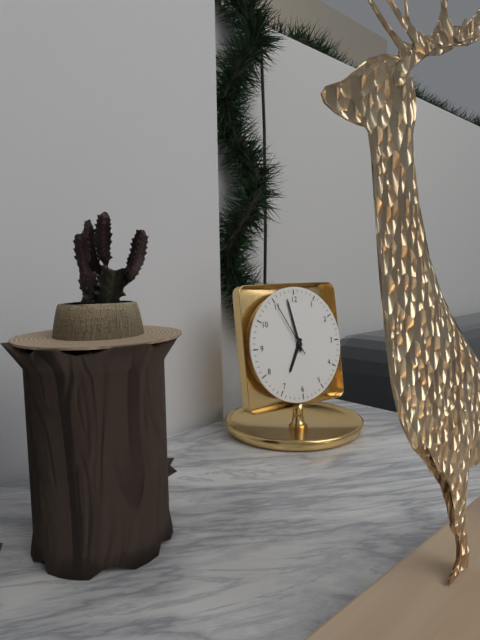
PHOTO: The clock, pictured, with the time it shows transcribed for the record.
6:58:55
